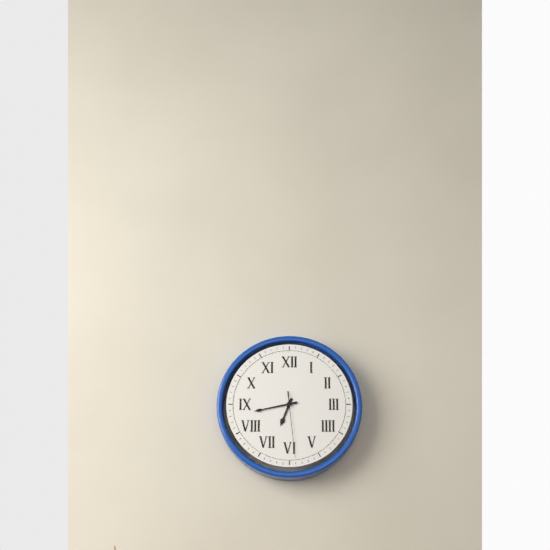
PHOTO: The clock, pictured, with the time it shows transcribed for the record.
6:43:29
